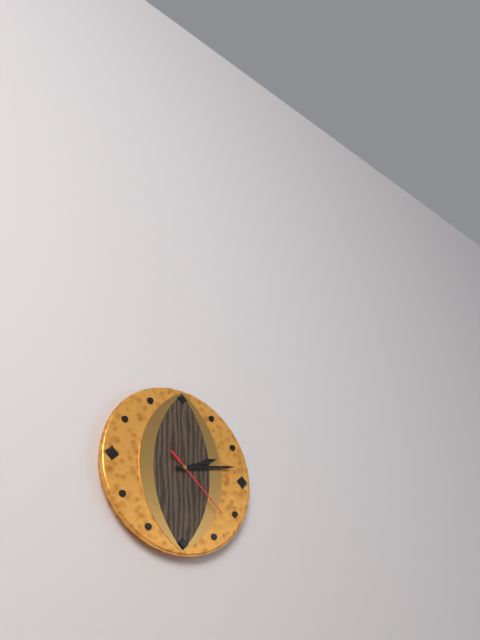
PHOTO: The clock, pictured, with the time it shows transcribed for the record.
2:13:22
